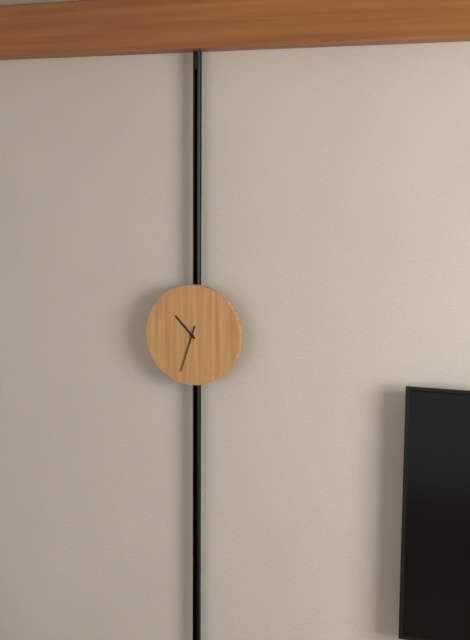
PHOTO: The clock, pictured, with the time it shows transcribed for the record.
10:33
